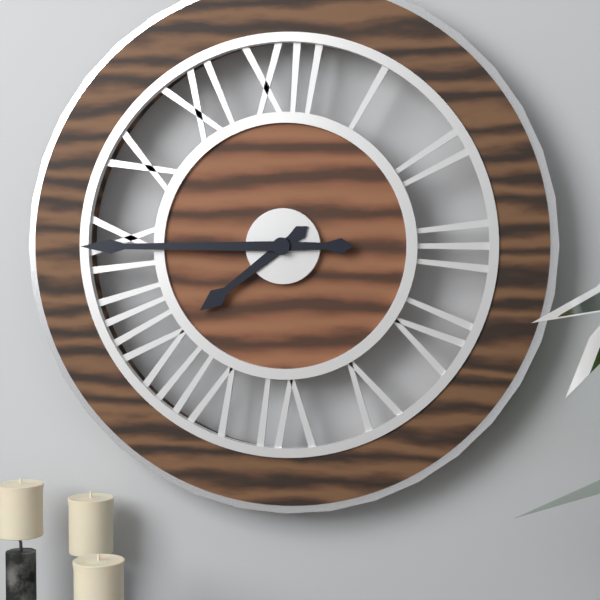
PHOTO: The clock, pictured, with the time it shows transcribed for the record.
7:45
